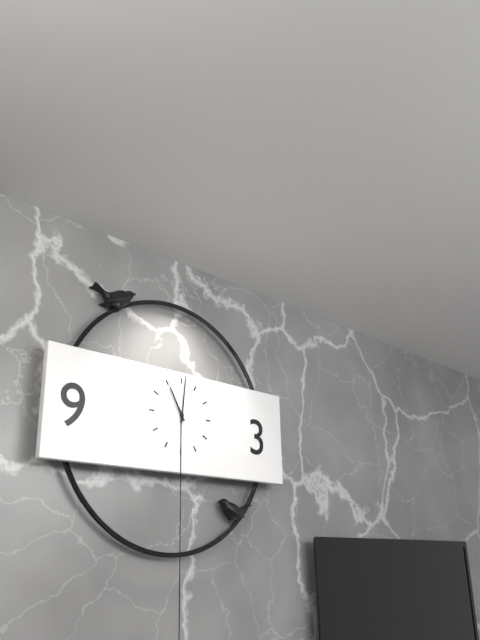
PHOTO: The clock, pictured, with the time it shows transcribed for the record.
11:01
